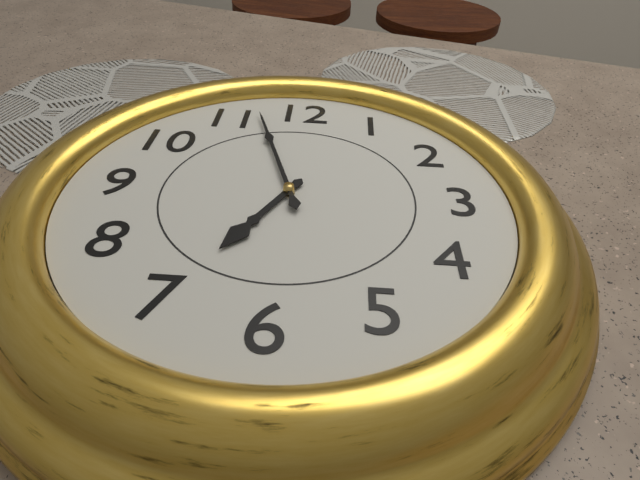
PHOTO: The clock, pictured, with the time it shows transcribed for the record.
6:57
